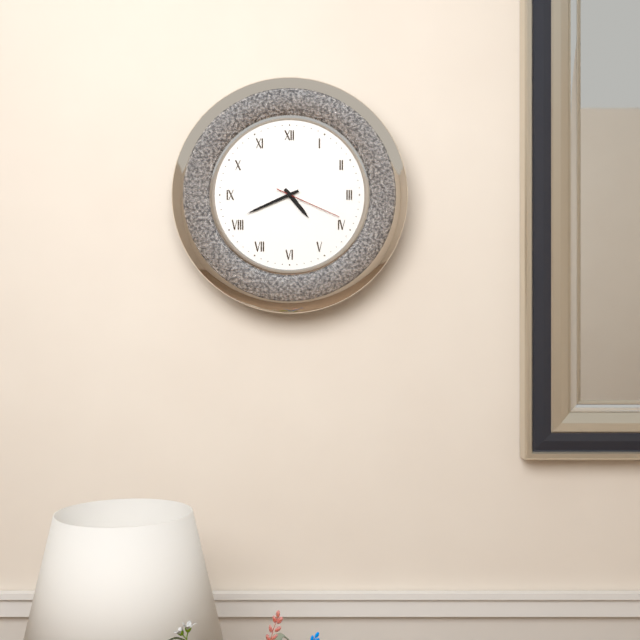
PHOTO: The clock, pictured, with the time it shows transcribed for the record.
4:41:19
